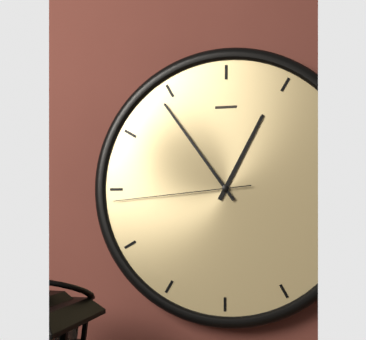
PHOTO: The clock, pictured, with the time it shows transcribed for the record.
12:54:44
